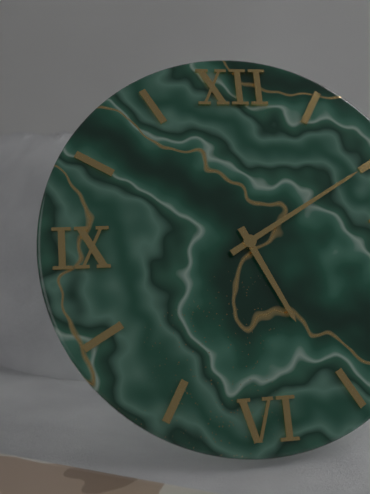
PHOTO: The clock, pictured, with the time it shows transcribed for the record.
5:10
